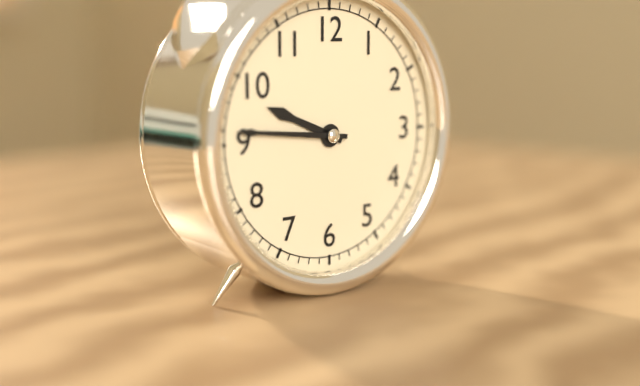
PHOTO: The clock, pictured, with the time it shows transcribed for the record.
9:46
